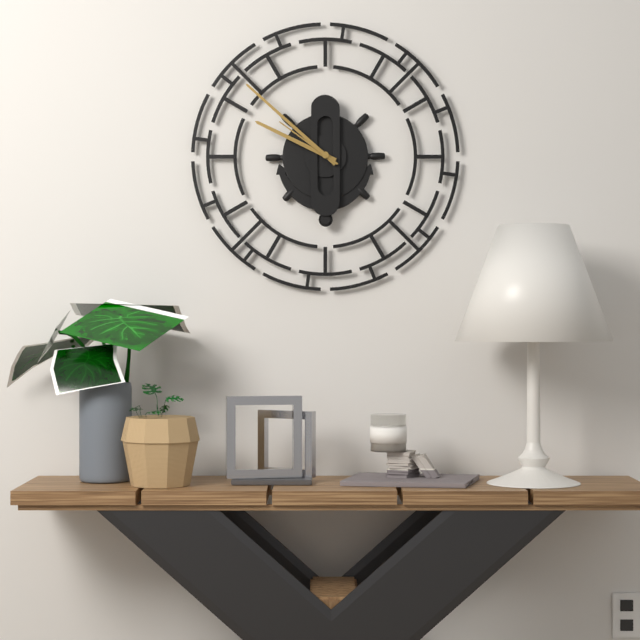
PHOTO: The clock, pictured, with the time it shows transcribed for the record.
9:52:51
